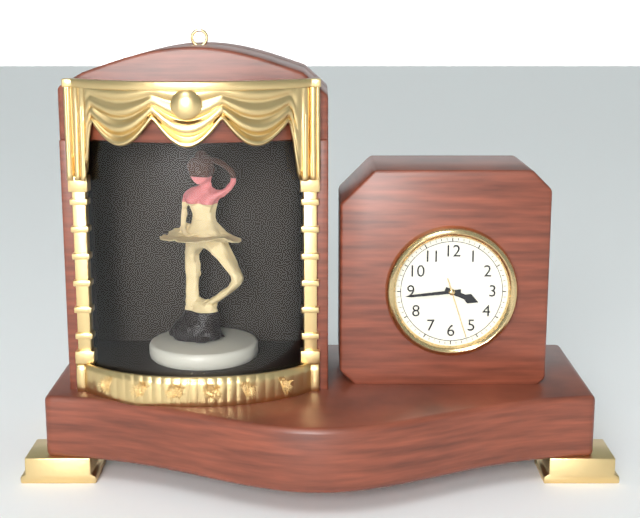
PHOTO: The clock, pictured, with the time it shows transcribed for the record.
3:44:27
